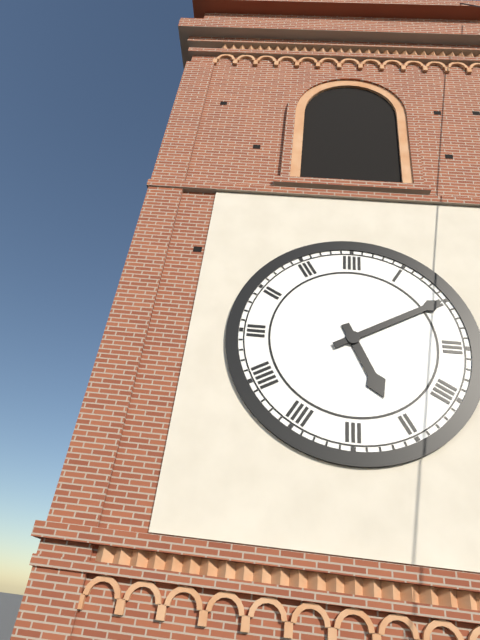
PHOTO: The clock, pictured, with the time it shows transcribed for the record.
5:10
